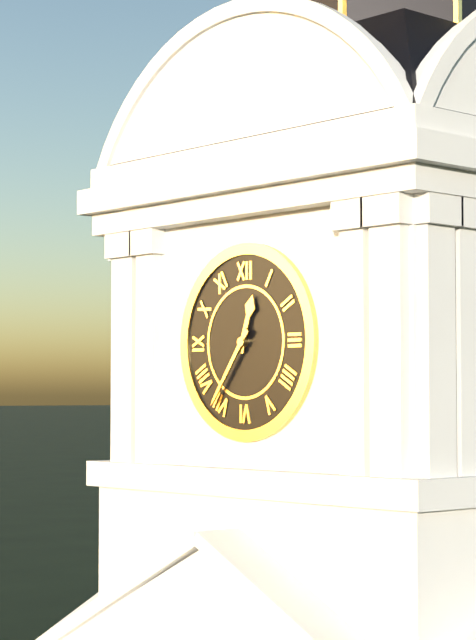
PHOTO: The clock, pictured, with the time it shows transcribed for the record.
12:36
